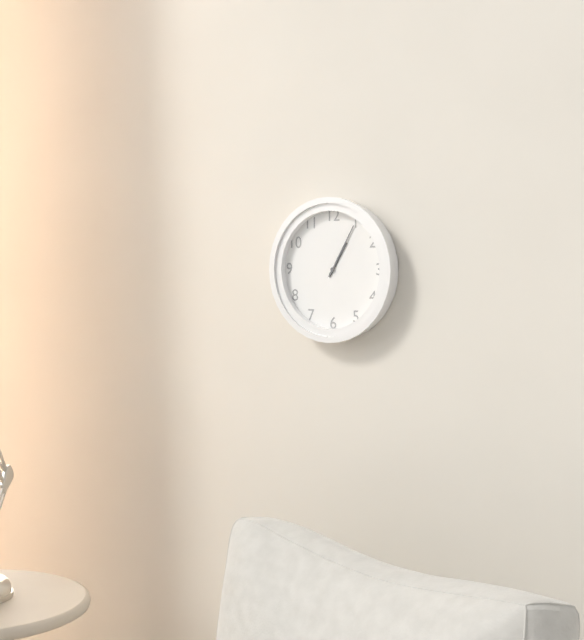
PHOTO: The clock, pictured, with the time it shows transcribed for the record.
1:05
